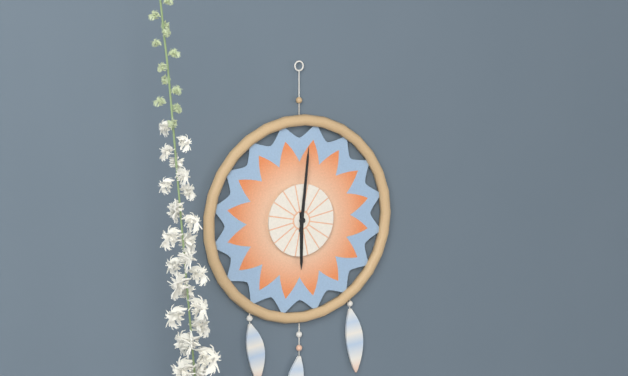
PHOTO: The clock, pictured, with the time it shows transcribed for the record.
6:01
